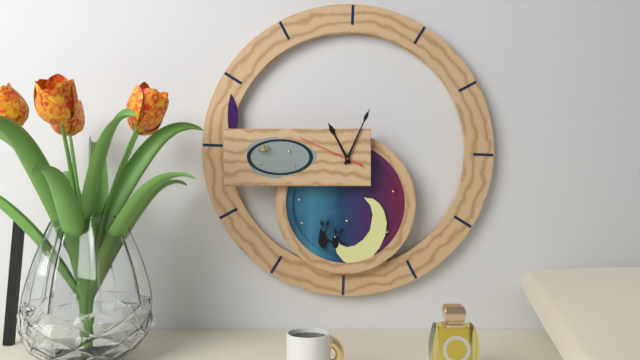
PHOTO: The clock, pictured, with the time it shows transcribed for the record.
11:04:49
